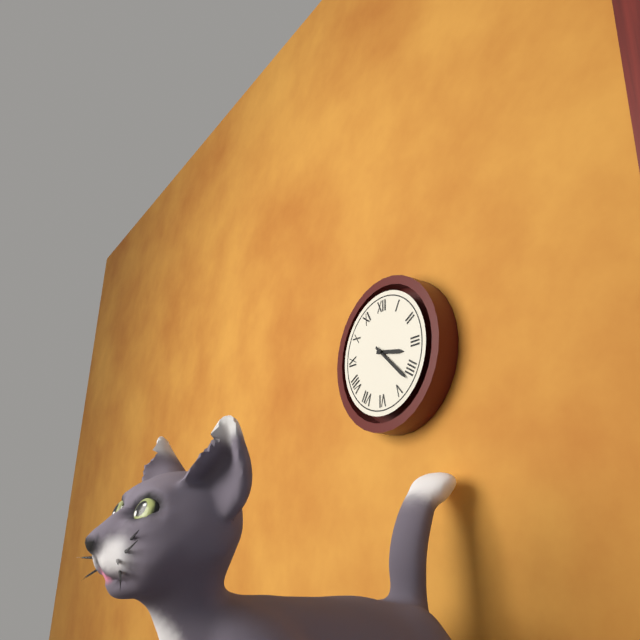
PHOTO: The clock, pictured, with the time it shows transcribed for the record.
3:22
